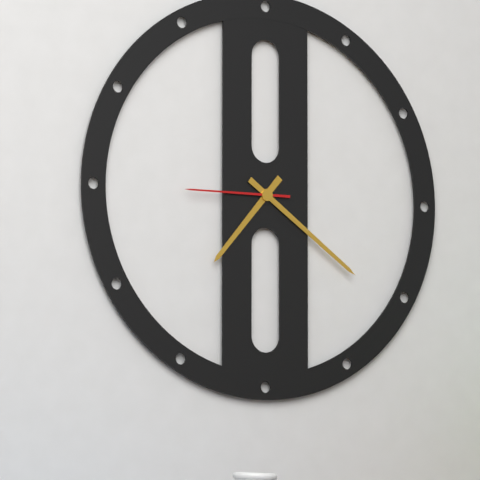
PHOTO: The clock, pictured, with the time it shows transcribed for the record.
7:21:45
